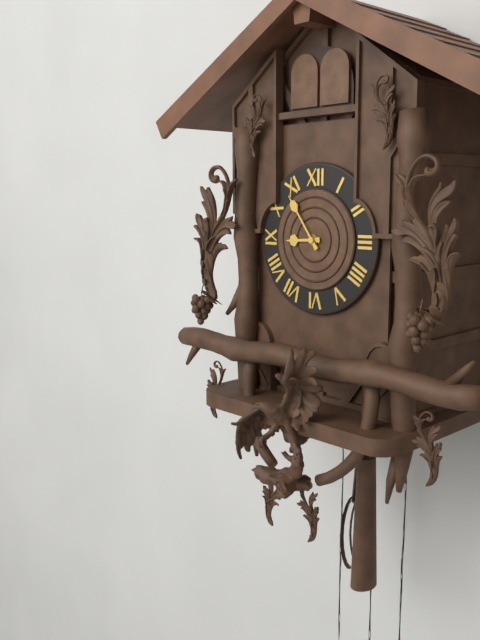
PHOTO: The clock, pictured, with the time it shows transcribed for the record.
8:54
